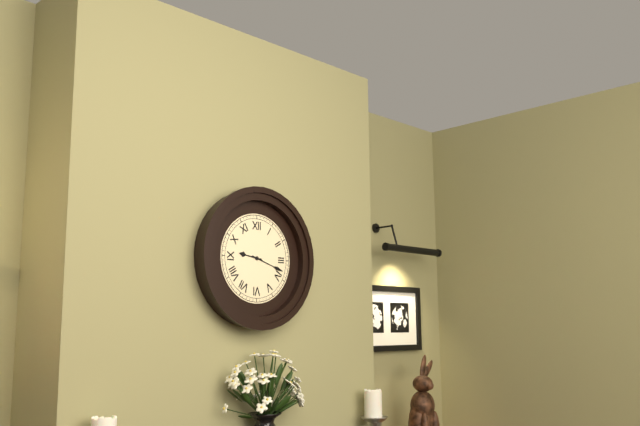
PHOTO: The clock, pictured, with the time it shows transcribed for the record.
9:18
